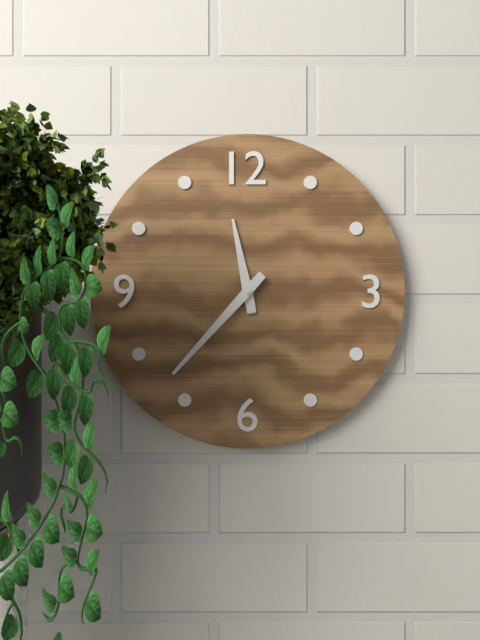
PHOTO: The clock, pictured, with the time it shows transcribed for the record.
11:37
